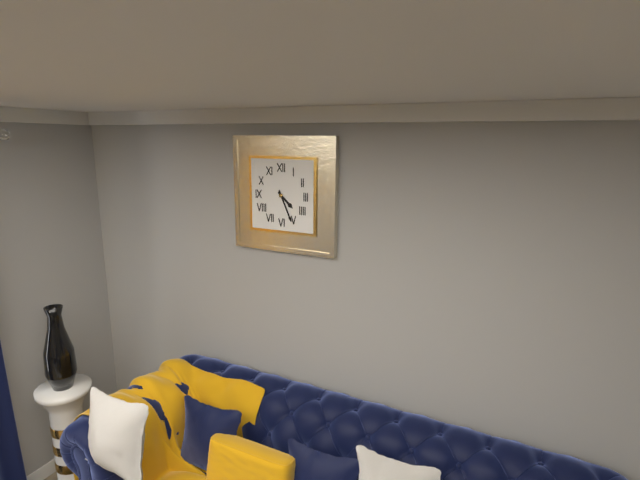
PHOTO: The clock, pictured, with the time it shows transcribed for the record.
4:26
